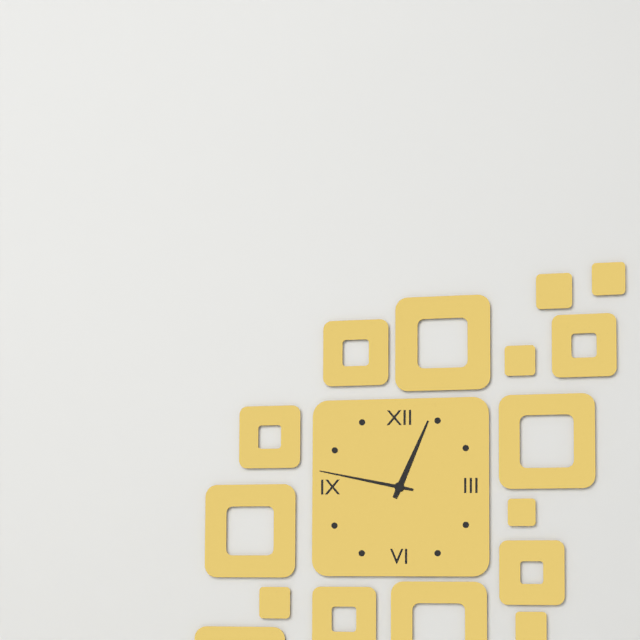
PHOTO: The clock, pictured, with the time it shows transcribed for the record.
12:47
